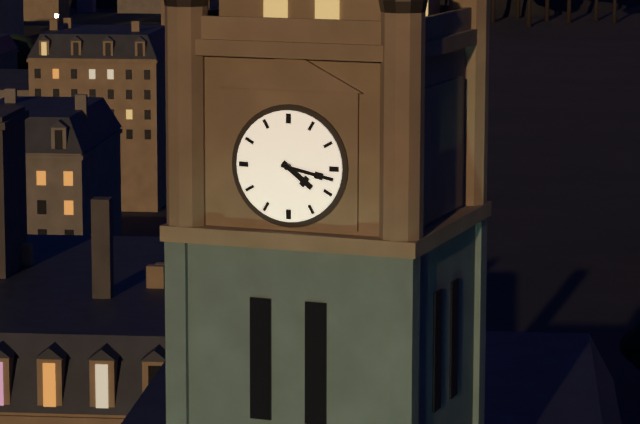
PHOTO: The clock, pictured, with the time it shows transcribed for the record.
4:17
